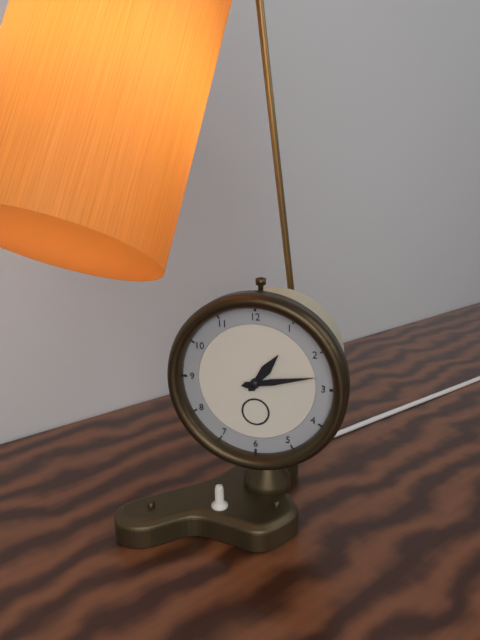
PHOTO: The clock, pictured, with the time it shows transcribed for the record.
1:13
